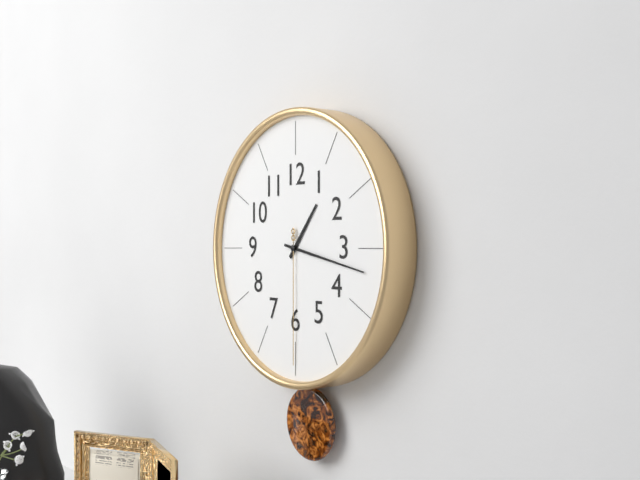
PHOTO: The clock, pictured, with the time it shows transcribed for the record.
1:17:30
